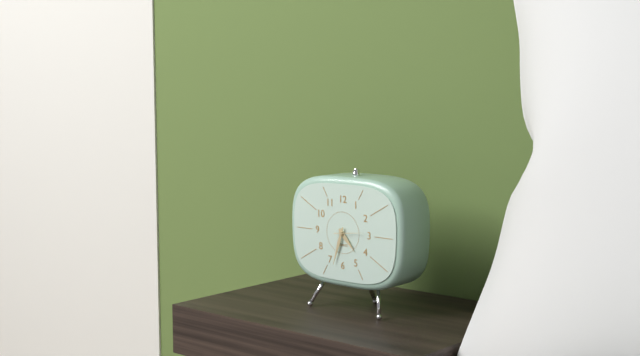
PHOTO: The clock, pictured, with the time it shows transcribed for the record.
4:33
